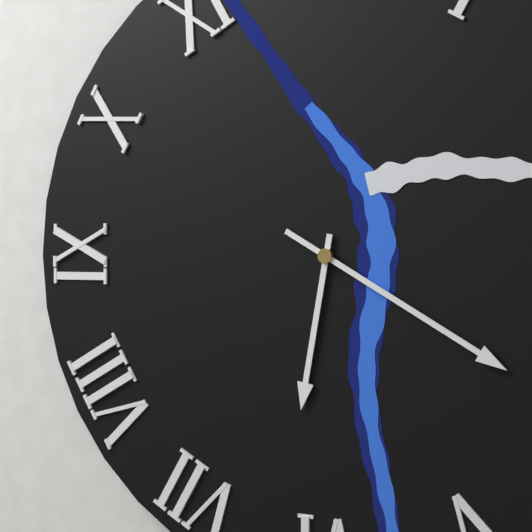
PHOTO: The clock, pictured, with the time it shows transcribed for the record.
6:20
